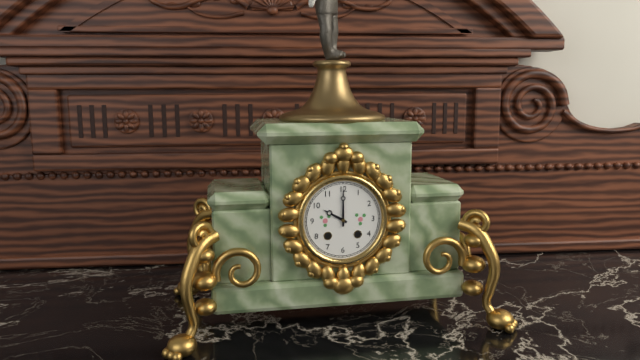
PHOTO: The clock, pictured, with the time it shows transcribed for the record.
10:00
